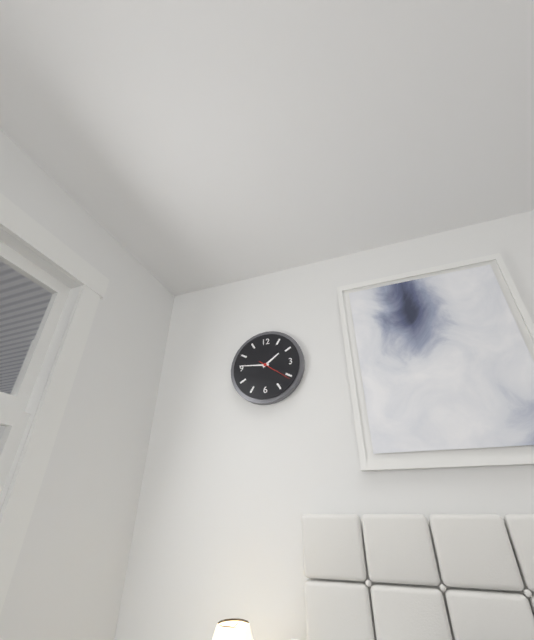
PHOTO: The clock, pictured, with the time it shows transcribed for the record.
1:46
